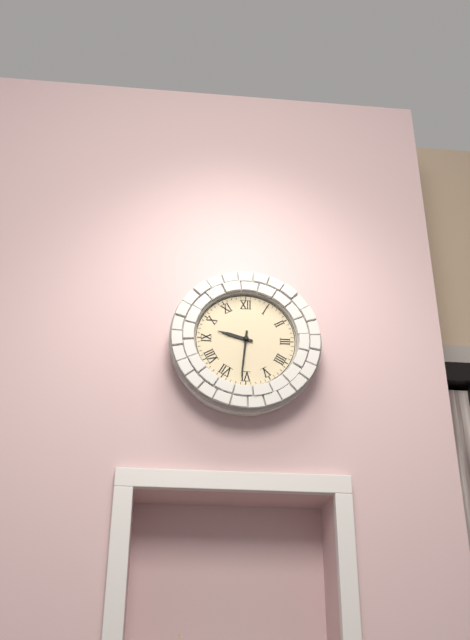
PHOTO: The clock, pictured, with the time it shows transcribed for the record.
9:31
